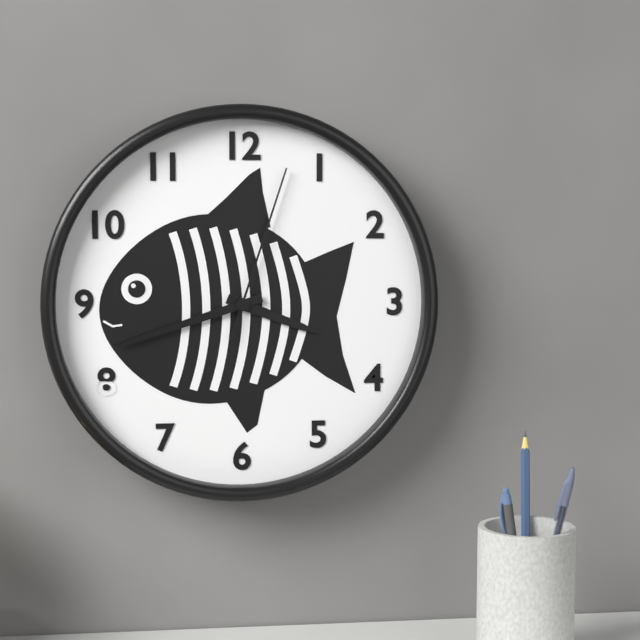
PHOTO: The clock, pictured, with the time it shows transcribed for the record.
3:42:03
